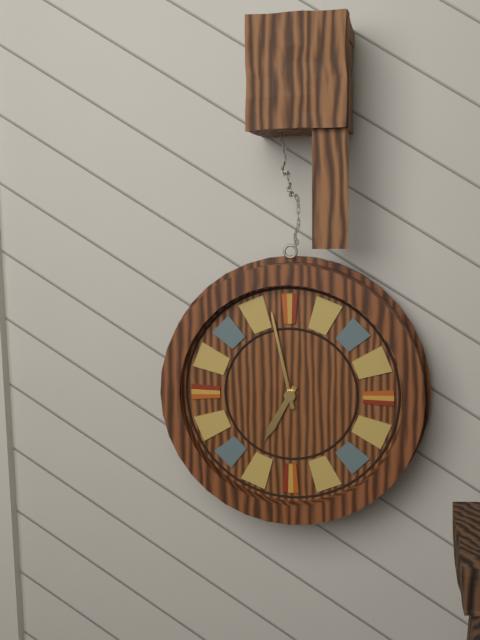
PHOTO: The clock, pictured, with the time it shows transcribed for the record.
6:58
